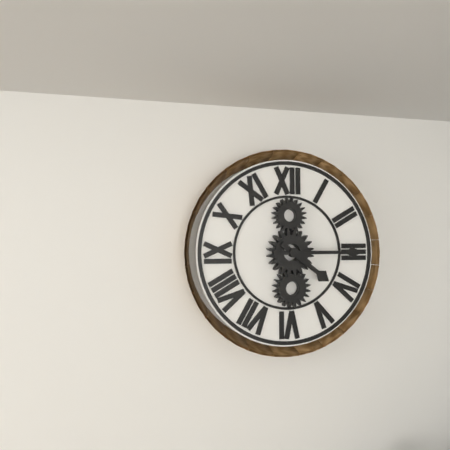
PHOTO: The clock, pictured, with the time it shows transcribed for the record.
4:15
